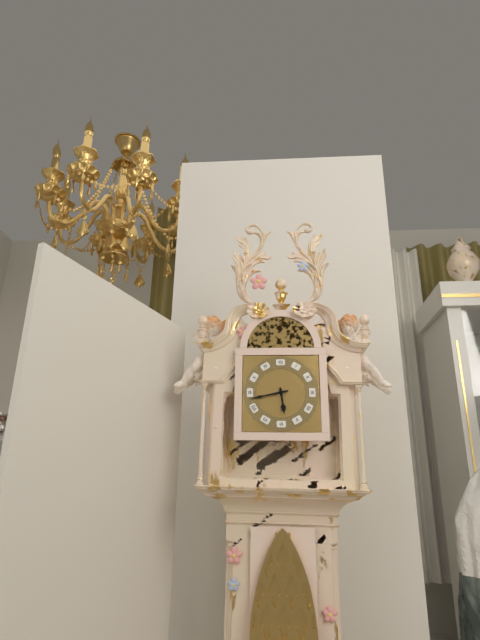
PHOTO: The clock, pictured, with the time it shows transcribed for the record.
5:43
